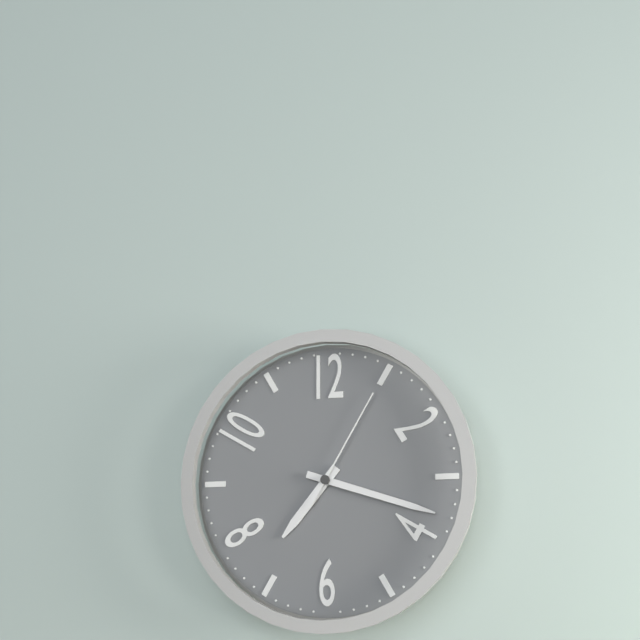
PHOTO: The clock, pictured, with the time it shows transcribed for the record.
7:18:05
